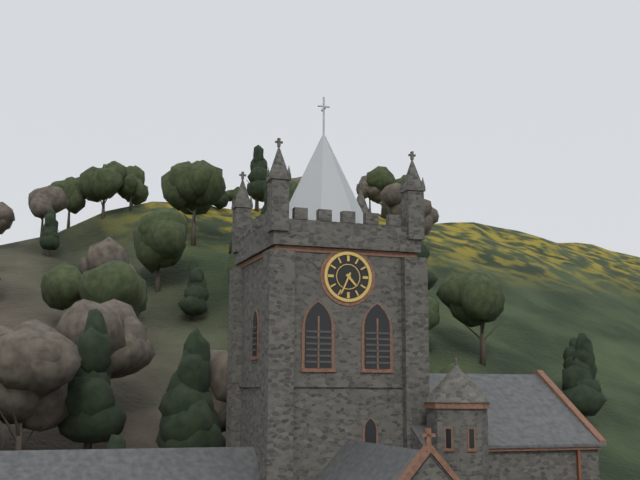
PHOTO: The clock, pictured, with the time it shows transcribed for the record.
4:34
